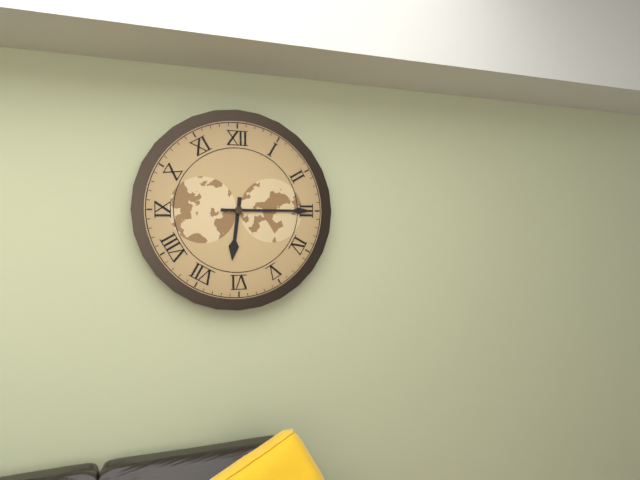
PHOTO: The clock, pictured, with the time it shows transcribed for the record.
6:15
